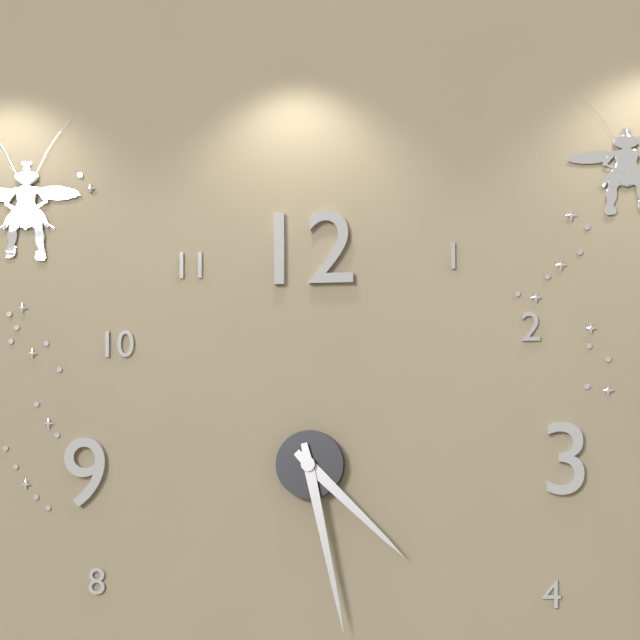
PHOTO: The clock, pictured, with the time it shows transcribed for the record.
4:28
